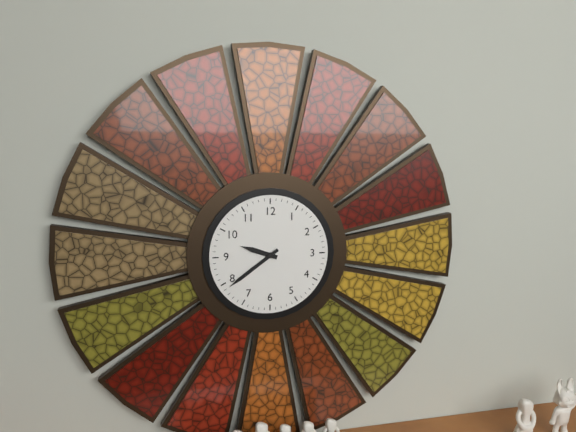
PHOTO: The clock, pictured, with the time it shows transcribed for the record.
9:39
